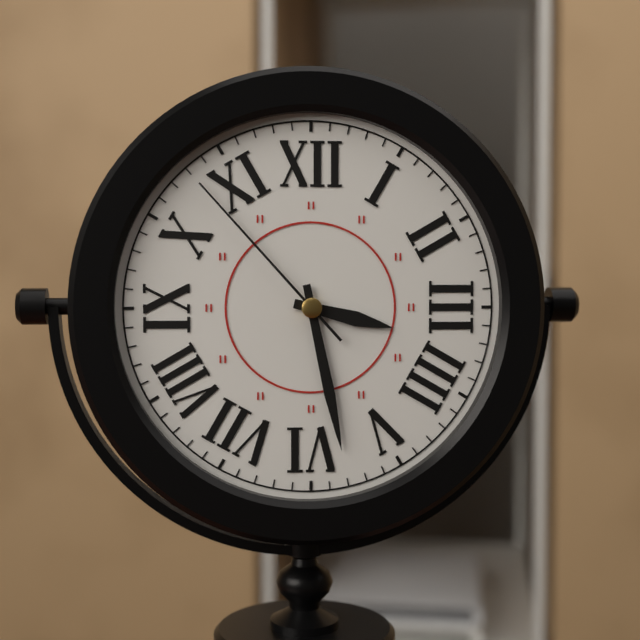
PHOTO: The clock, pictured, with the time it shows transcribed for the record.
3:28:53
